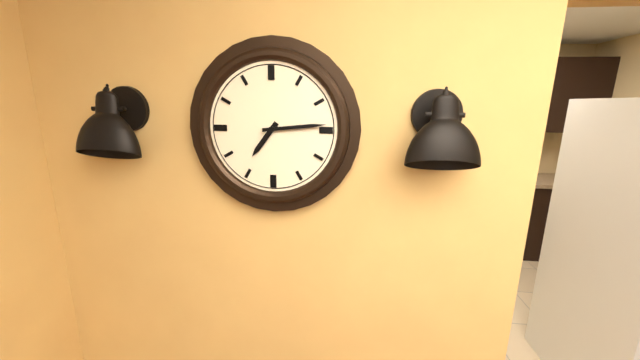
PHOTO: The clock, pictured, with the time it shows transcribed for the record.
7:14
